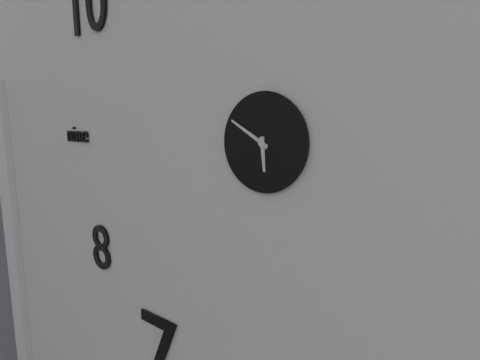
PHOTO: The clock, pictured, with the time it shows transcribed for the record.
5:50
